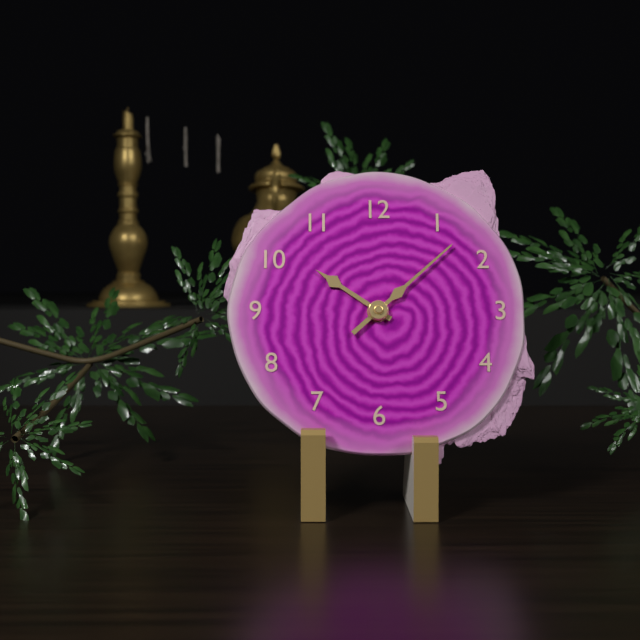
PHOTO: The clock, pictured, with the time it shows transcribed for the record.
10:08
